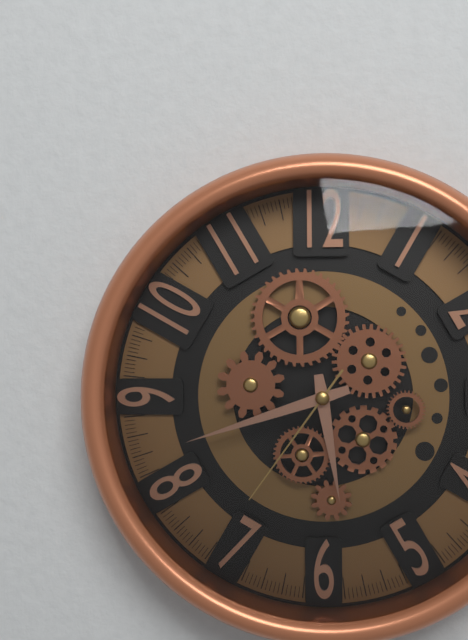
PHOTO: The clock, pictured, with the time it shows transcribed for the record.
5:42:36
